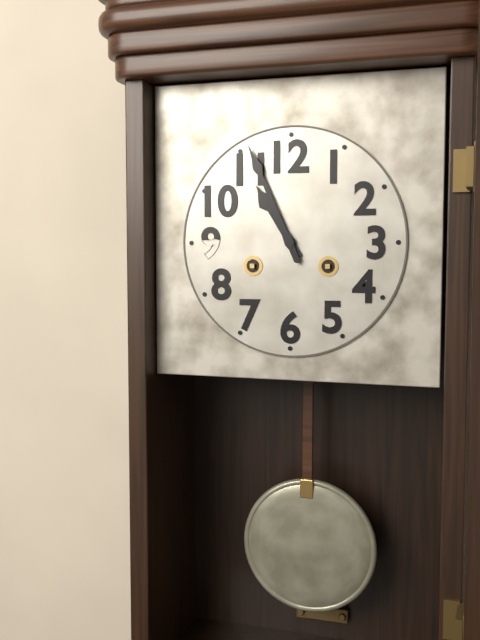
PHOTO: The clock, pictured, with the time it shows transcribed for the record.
10:56
